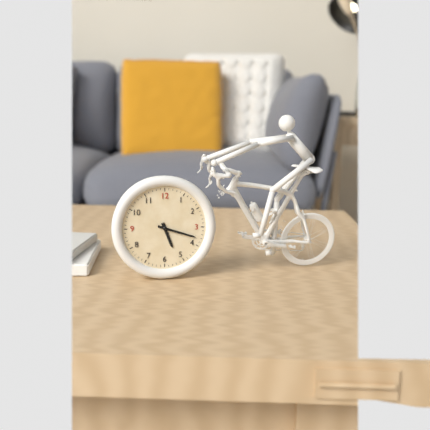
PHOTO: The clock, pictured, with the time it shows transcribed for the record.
5:18
